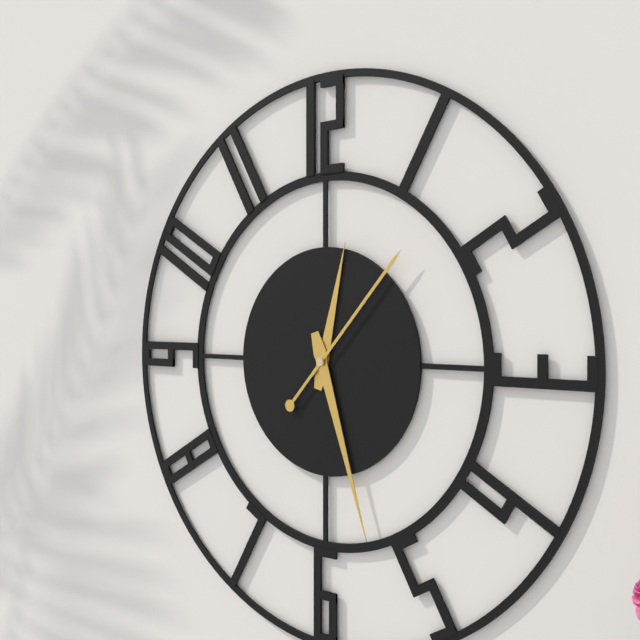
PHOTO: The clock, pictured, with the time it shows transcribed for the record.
12:27:07
